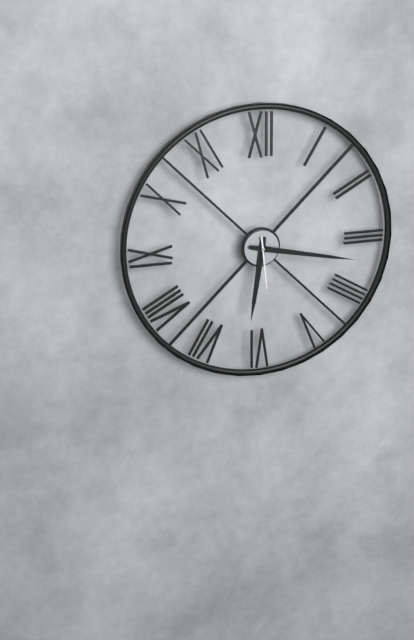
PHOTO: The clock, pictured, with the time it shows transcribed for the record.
6:17:29
